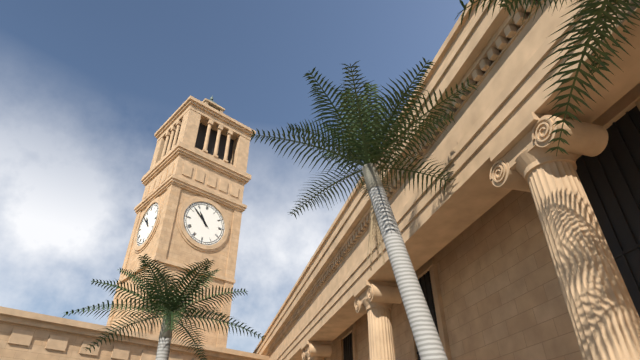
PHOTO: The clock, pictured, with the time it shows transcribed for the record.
10:52
